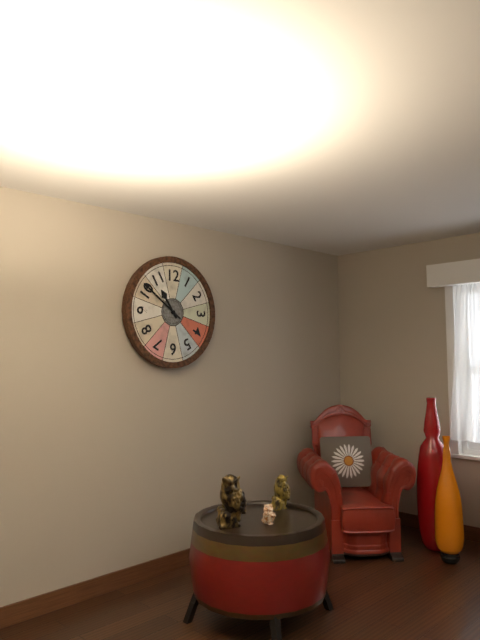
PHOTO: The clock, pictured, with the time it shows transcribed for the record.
10:51
